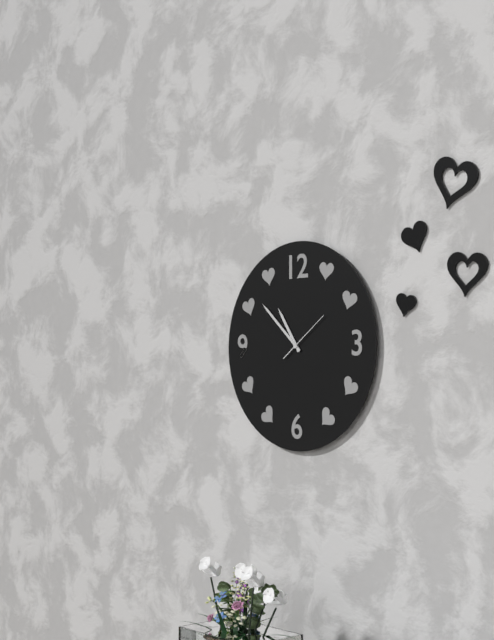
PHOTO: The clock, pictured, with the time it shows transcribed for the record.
10:52
